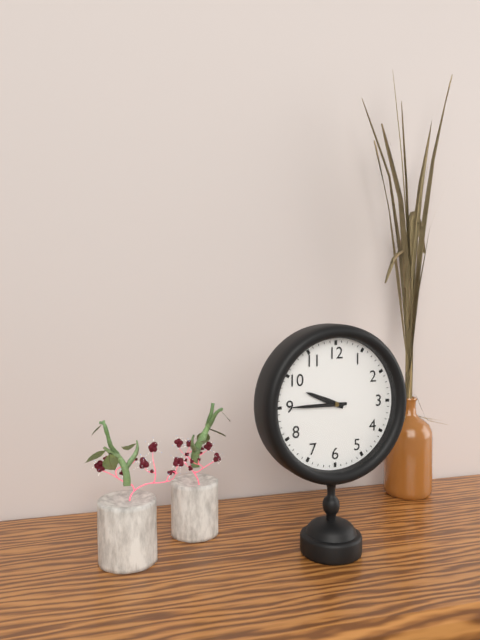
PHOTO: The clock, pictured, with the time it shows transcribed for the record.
9:45
